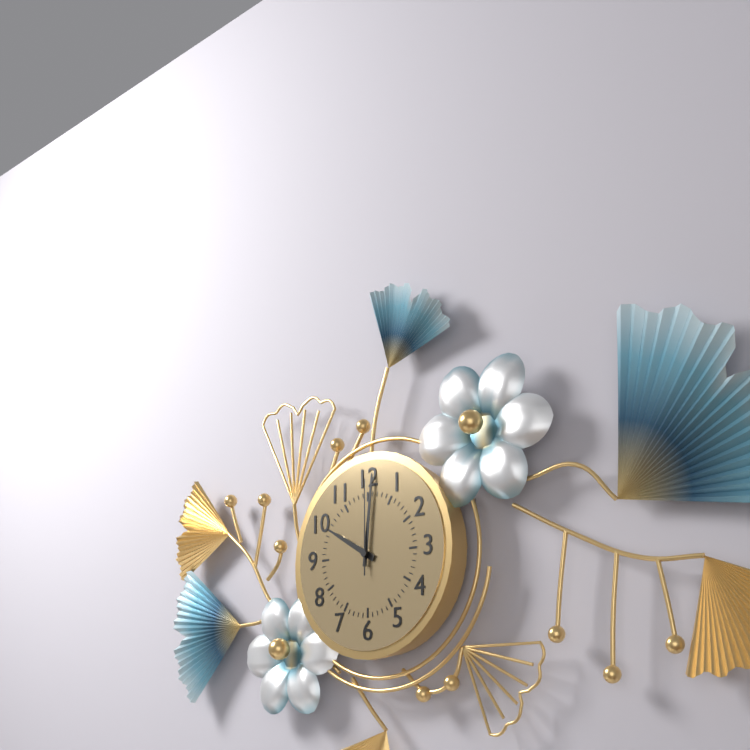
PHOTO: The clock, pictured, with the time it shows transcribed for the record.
10:01:00
